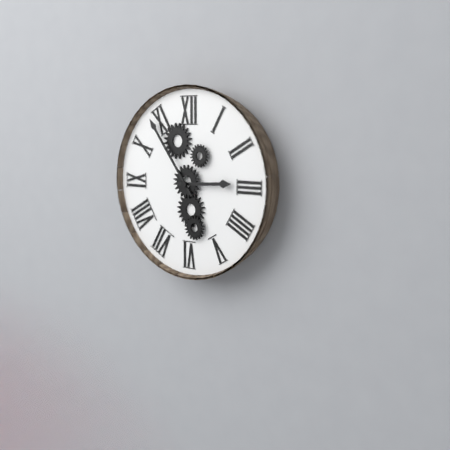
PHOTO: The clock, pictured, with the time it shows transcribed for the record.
2:54
